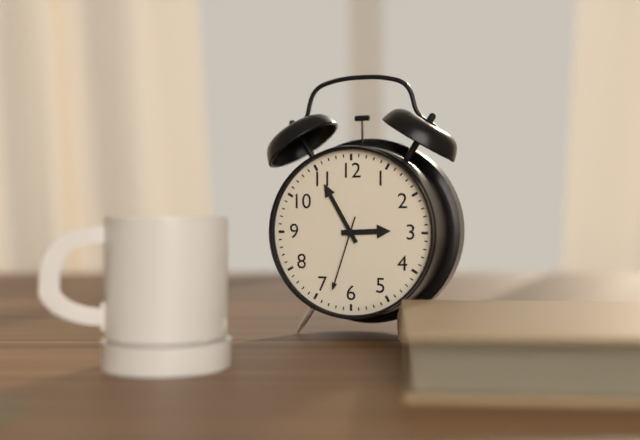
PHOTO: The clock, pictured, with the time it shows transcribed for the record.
2:55:33
